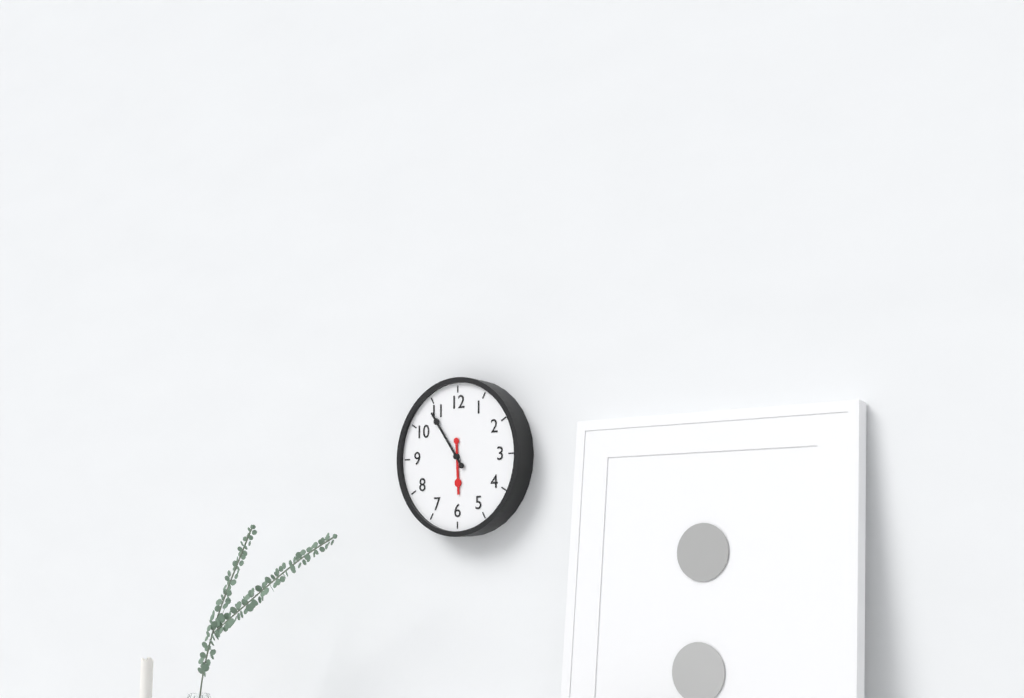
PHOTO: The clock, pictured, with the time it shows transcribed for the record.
5:54
